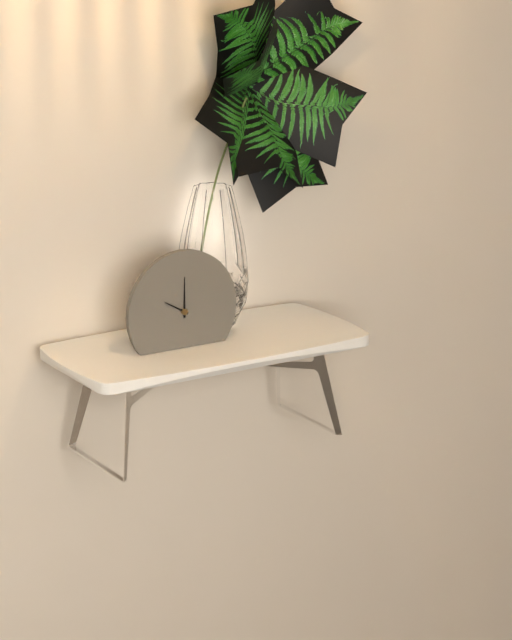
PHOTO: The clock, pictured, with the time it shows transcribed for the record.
10:00
